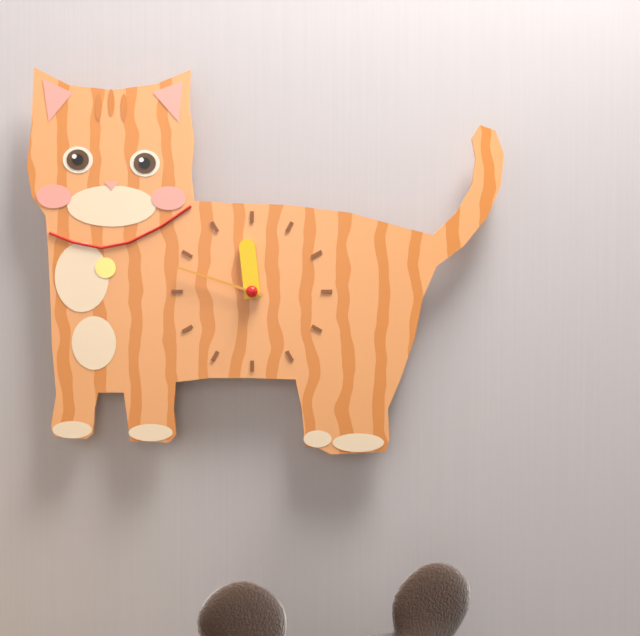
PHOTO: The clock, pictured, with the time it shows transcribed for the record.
11:48
